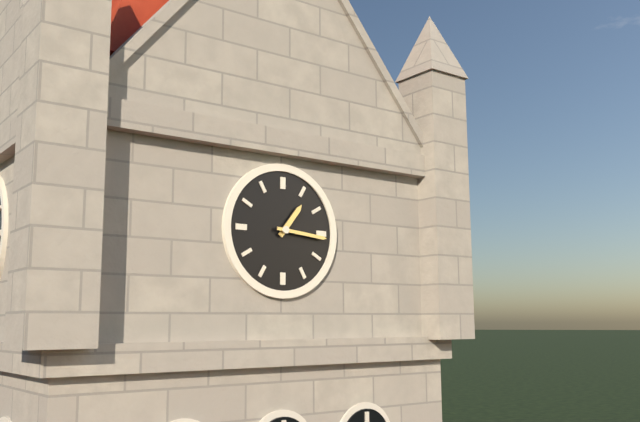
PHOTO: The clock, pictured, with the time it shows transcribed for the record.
1:16
